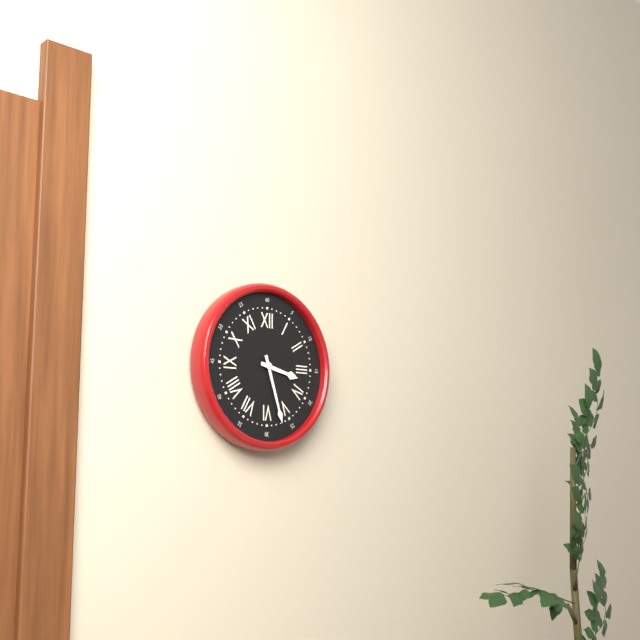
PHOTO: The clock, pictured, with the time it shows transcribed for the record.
3:27
